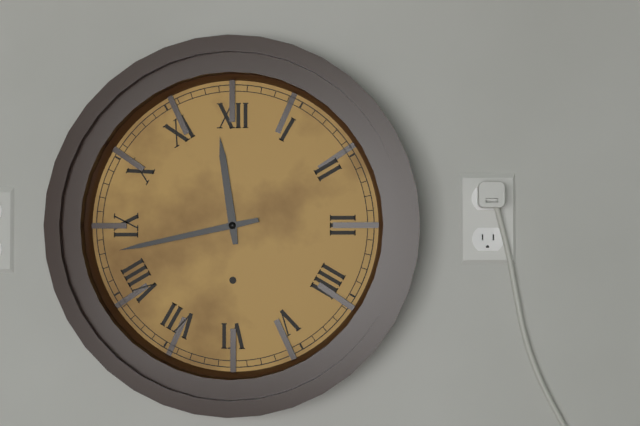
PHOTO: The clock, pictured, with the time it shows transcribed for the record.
11:43
